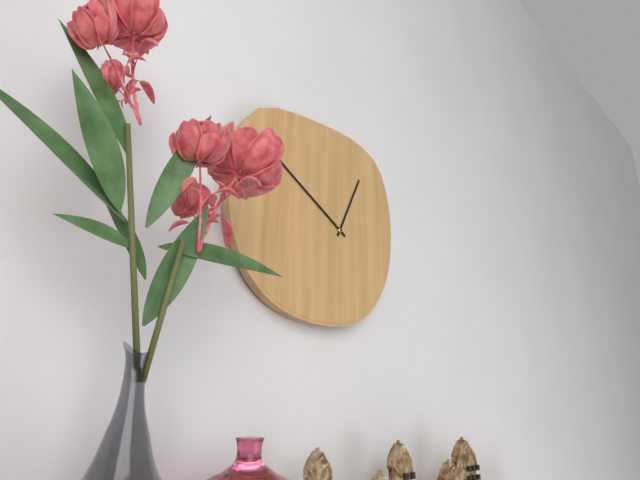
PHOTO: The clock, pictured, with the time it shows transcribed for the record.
12:50
